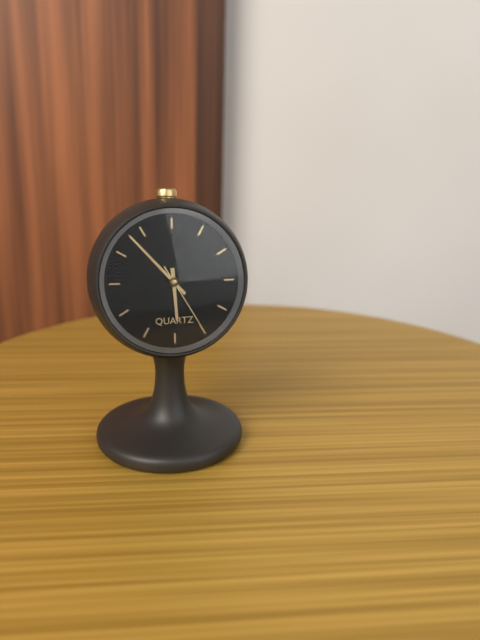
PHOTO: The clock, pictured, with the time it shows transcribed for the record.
5:53:25
